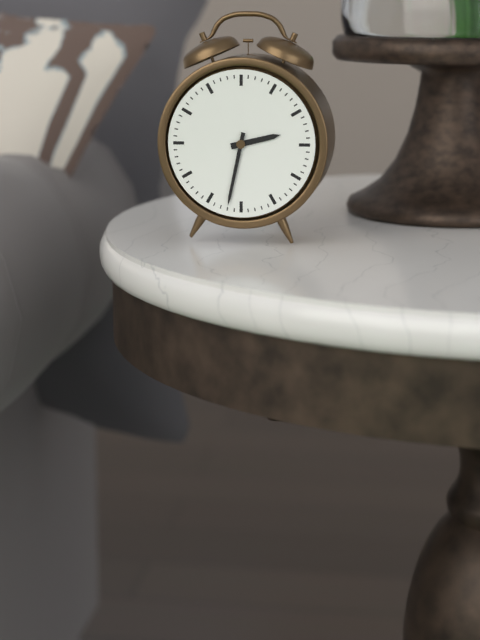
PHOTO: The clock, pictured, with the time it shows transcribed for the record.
2:32
